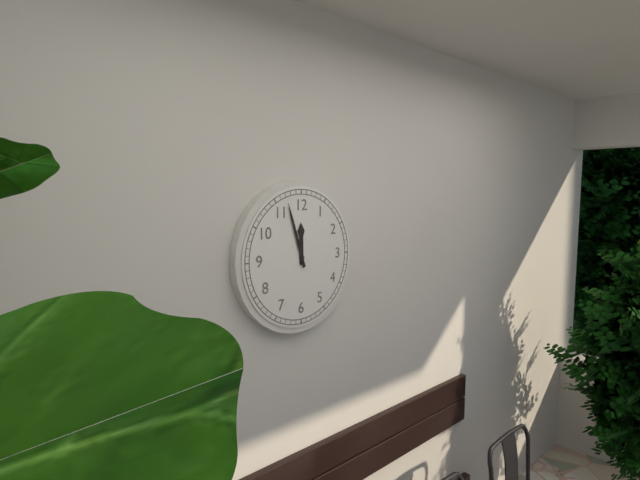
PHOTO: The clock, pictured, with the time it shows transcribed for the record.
11:57
